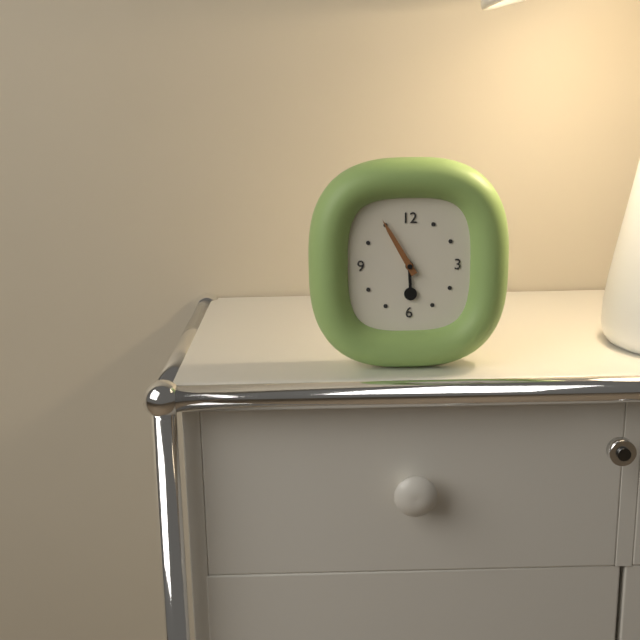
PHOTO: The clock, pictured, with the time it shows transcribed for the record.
5:55
